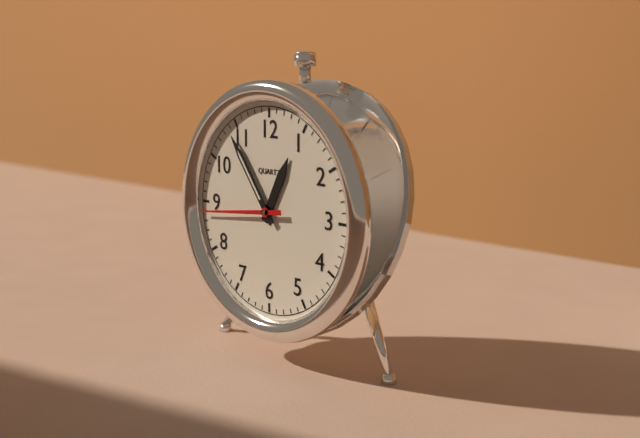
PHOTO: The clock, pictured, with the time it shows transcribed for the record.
12:54:44
